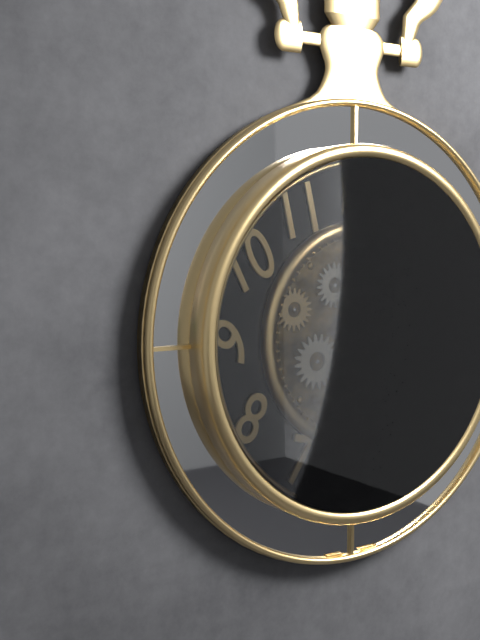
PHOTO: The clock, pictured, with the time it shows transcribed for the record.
5:26
